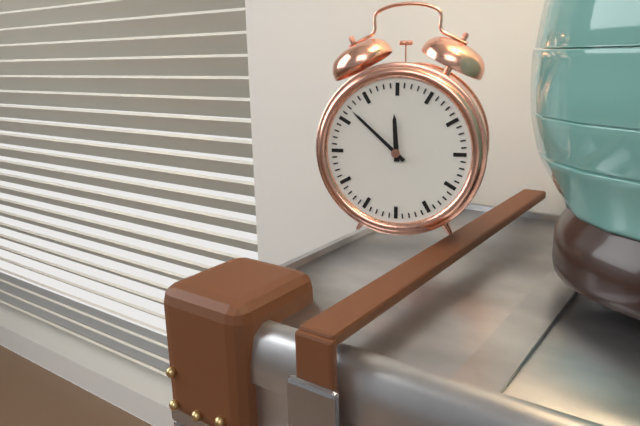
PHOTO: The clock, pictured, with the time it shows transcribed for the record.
11:52
